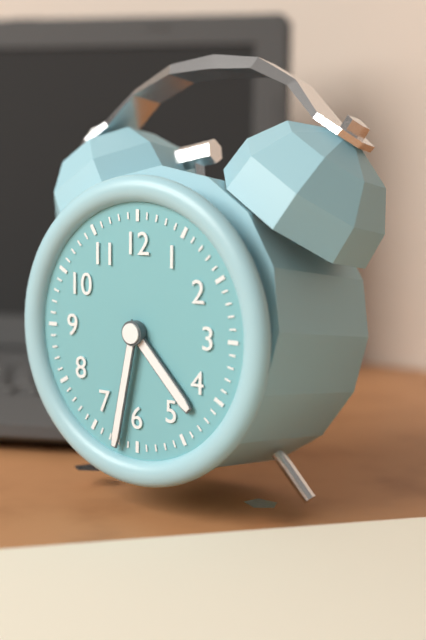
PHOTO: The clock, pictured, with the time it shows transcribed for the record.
4:32
